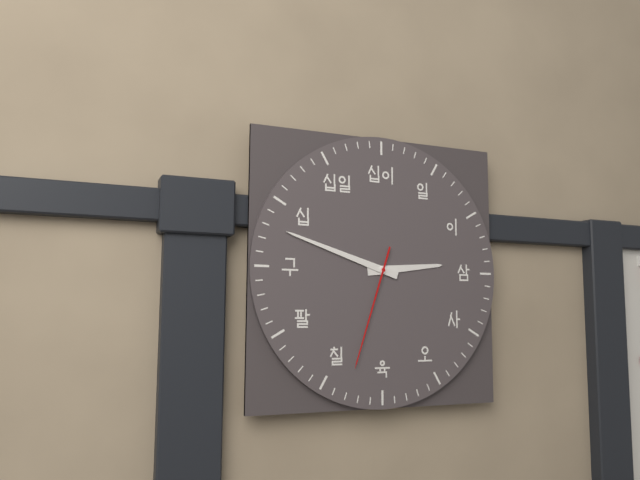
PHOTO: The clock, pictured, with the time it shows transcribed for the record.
2:48:33
